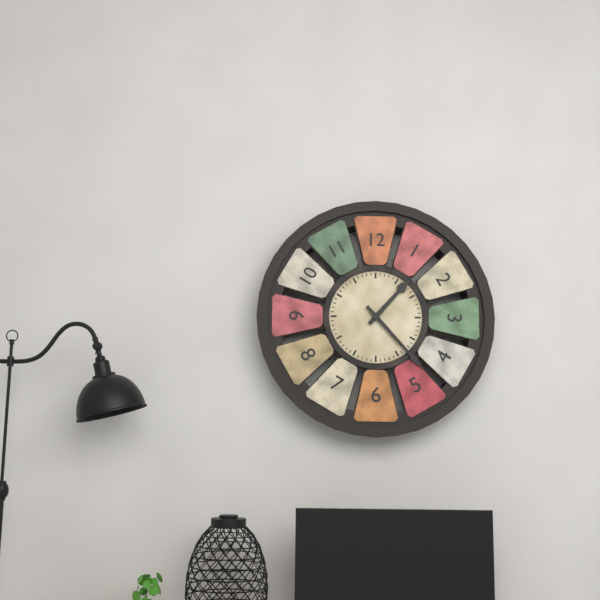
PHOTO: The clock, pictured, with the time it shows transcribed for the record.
1:23
